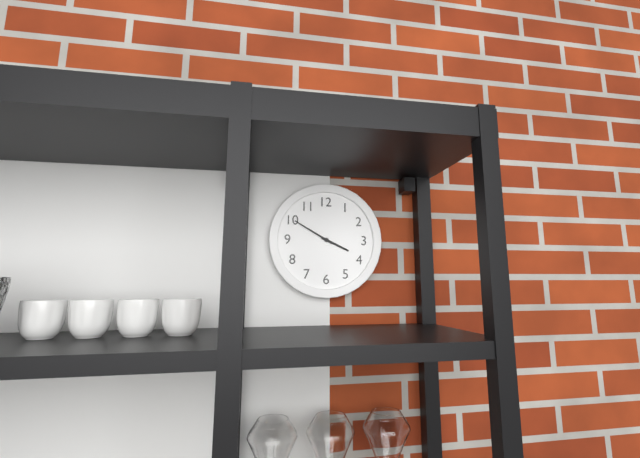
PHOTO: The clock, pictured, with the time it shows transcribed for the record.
3:50
